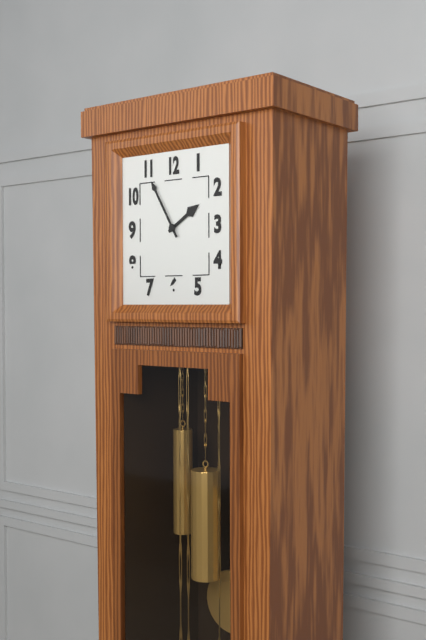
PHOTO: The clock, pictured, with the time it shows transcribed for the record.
1:55
